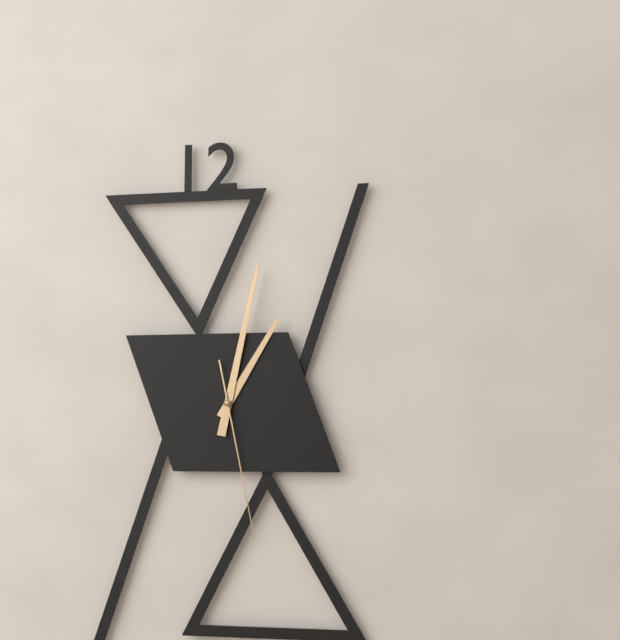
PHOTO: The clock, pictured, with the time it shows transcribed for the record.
1:02:28
